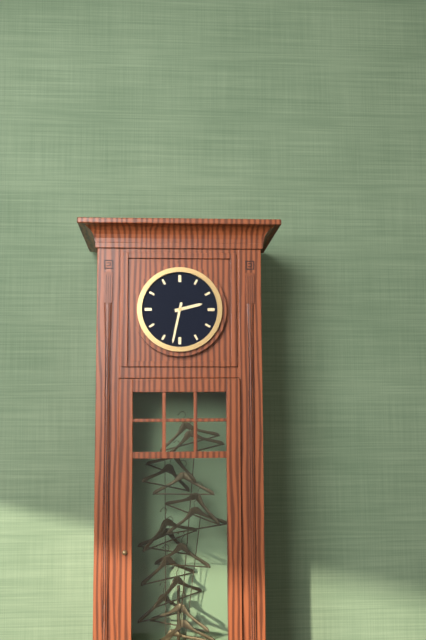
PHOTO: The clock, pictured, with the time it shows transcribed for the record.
2:32
